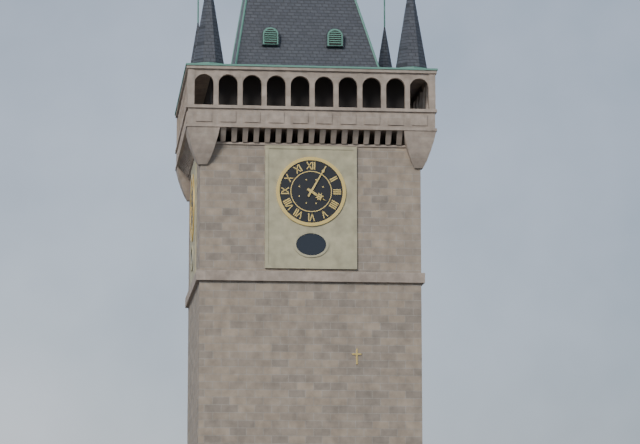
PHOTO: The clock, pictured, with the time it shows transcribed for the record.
4:05
